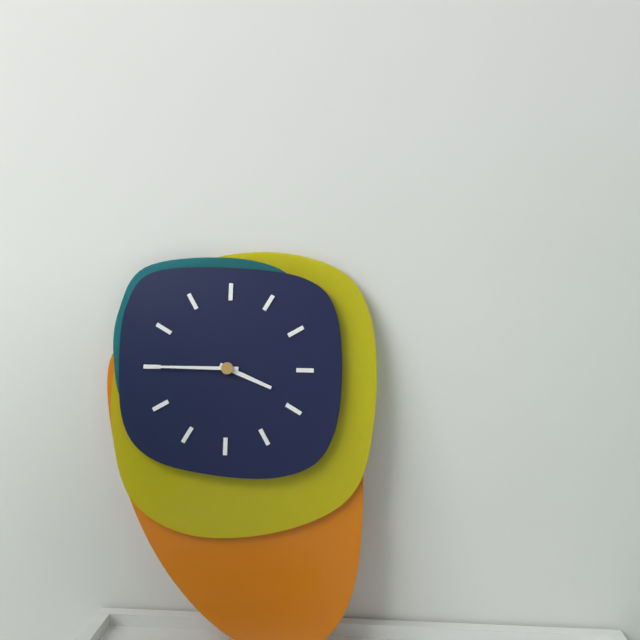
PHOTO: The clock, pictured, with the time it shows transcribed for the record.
3:45
